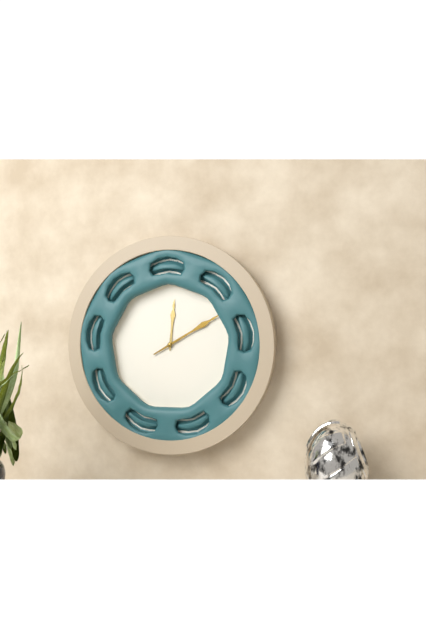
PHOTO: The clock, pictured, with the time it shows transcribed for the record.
12:10
